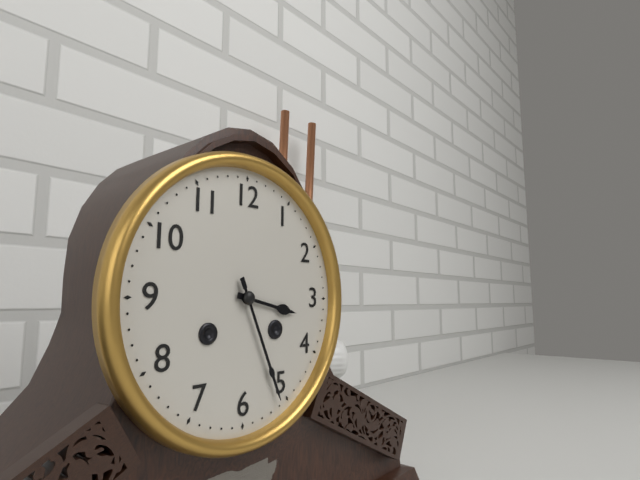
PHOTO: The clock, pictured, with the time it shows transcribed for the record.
3:26
